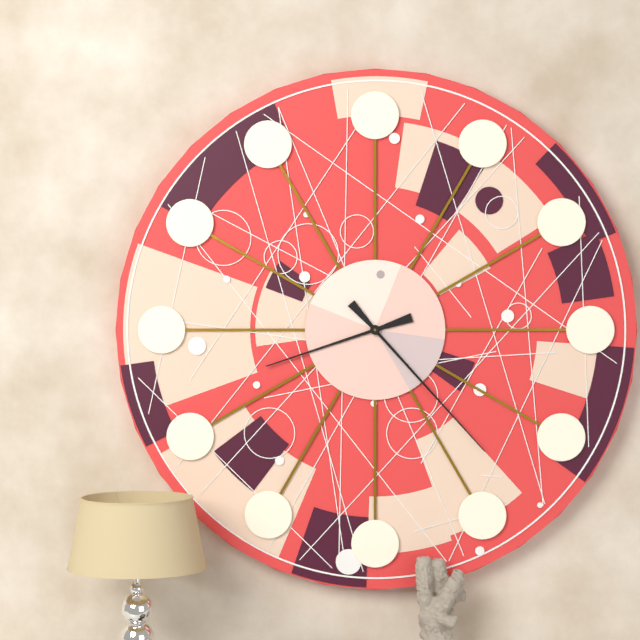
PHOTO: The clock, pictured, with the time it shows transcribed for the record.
8:23
